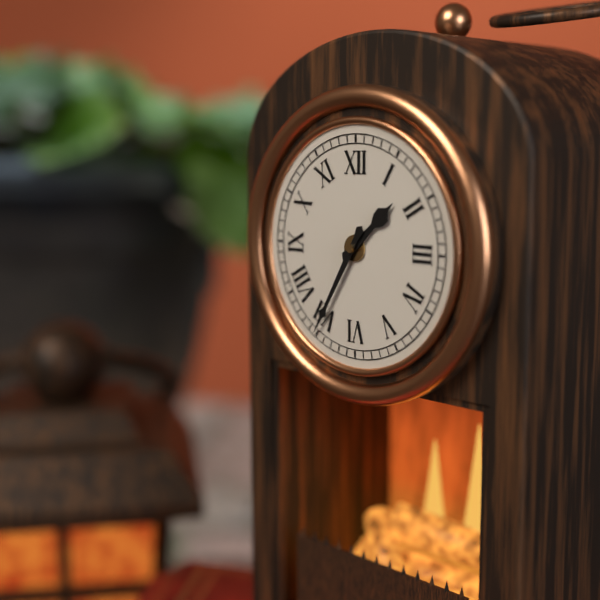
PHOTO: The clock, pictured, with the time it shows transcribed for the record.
1:35
